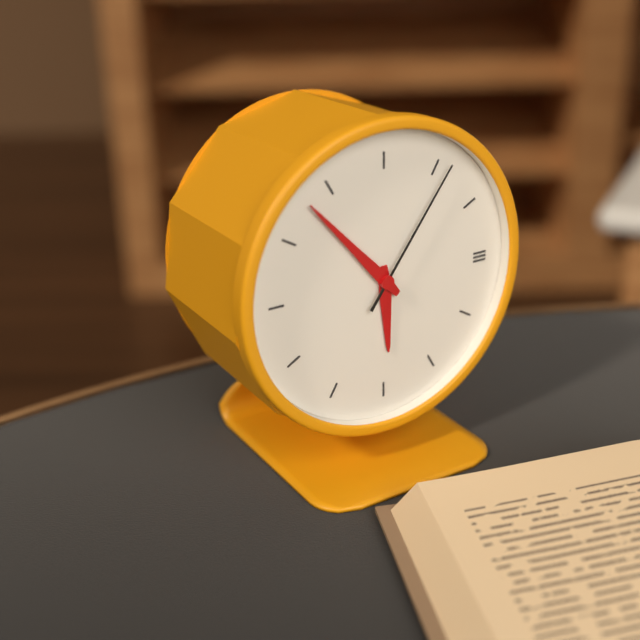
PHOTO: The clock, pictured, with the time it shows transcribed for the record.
5:53:06
